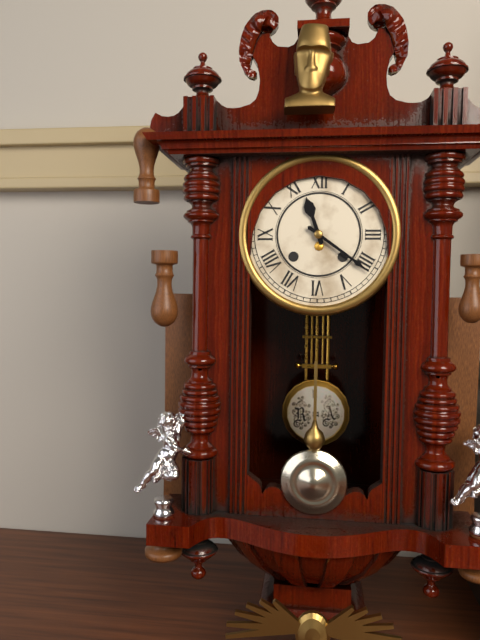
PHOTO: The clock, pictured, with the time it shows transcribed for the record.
11:21
